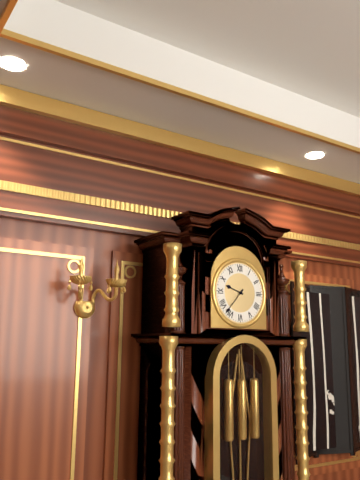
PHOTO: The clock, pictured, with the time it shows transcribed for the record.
9:37
